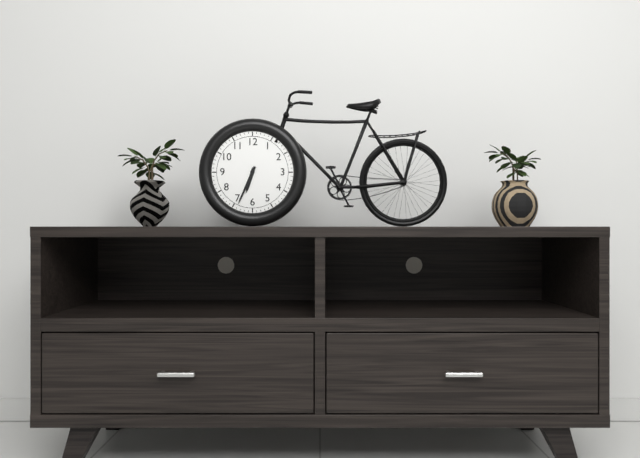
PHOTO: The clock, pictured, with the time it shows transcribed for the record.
6:34
